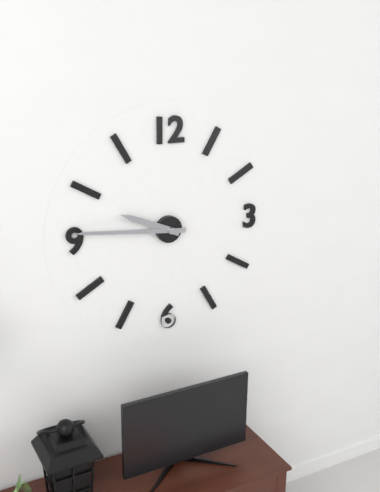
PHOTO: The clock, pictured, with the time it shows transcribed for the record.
9:46
